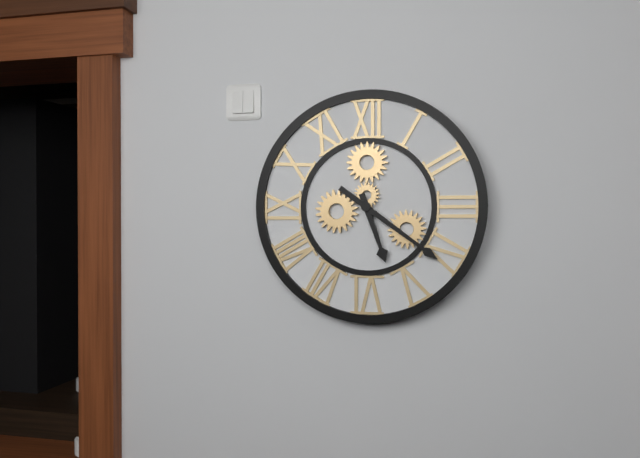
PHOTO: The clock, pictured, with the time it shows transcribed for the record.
5:21
